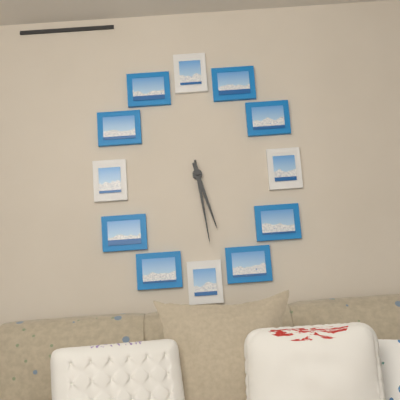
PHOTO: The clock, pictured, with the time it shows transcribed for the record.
5:29
